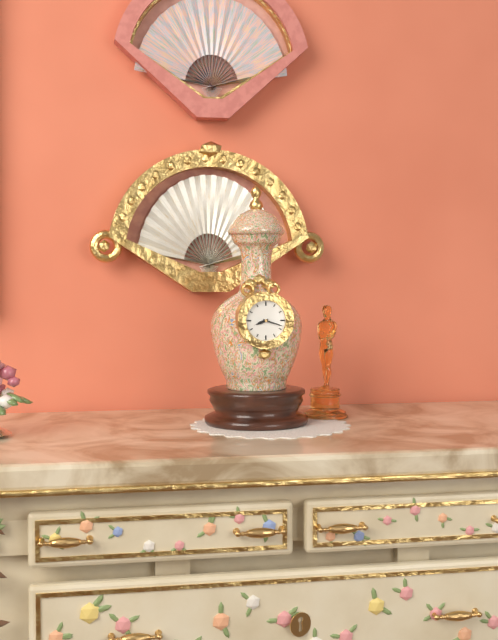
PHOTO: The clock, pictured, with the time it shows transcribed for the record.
8:18
